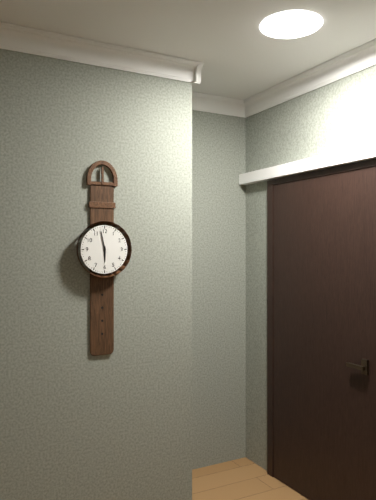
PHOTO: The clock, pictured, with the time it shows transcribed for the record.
5:58
